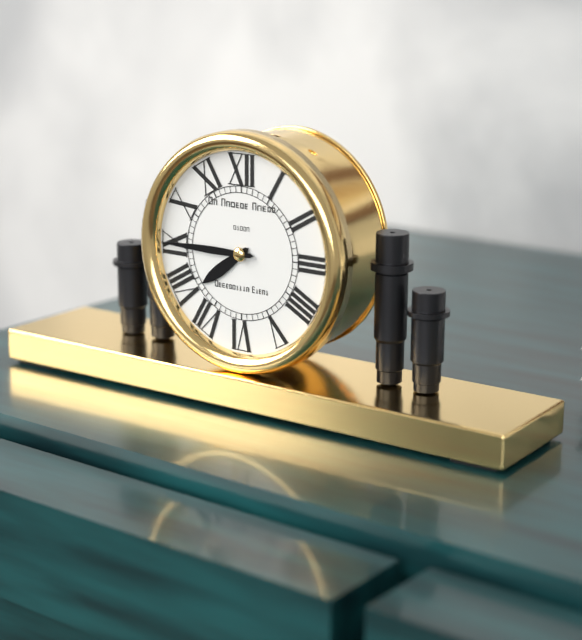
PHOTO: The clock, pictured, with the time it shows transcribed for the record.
7:45
